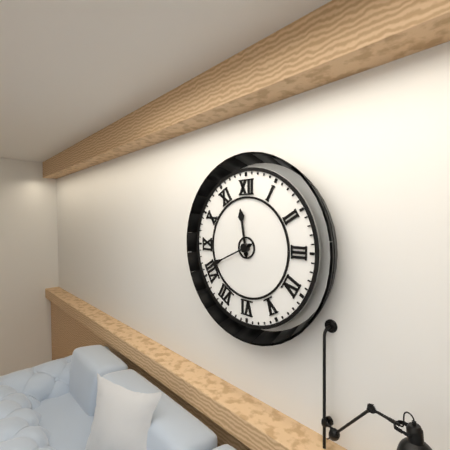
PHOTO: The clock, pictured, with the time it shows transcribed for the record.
11:41
